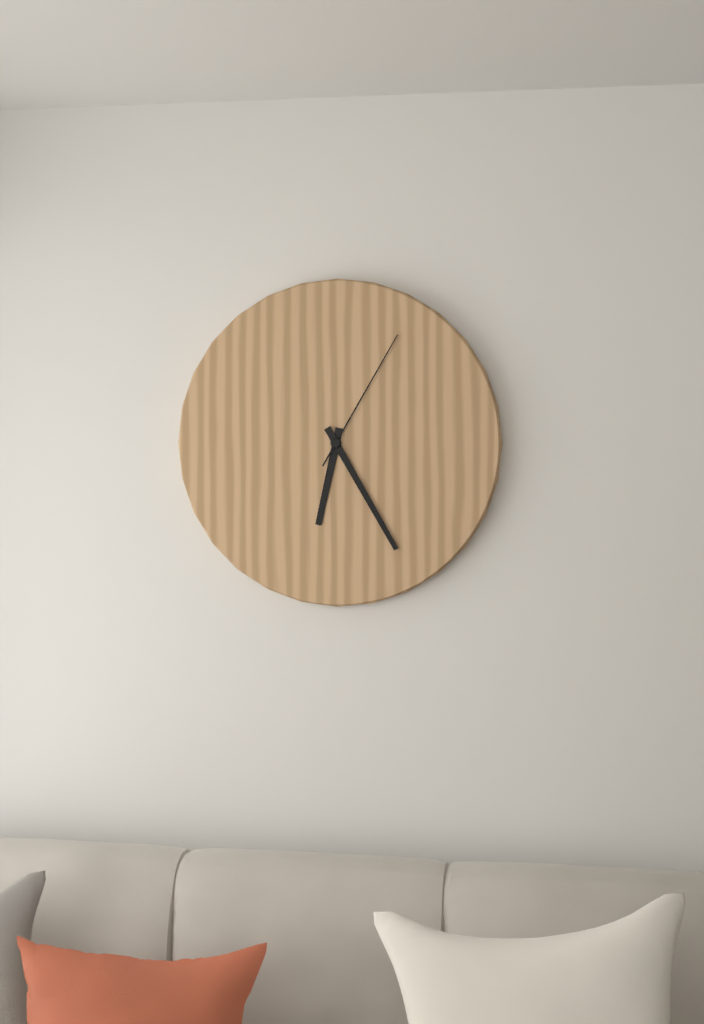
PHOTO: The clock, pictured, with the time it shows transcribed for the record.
6:25:05
